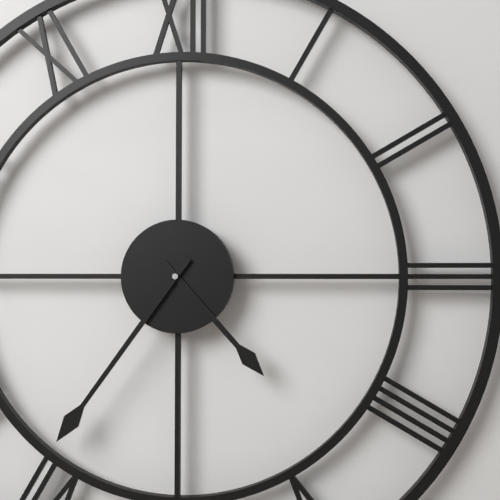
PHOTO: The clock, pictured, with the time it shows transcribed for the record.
4:36
